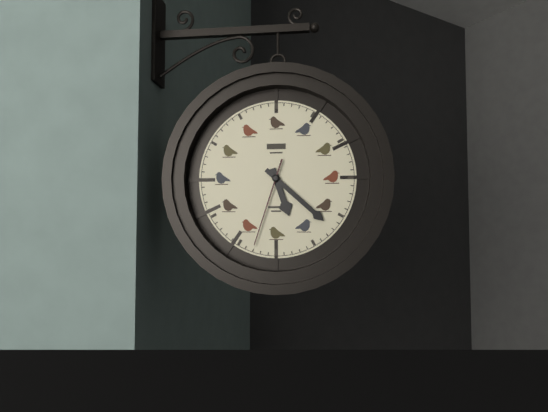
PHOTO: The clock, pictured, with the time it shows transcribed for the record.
5:22:33
